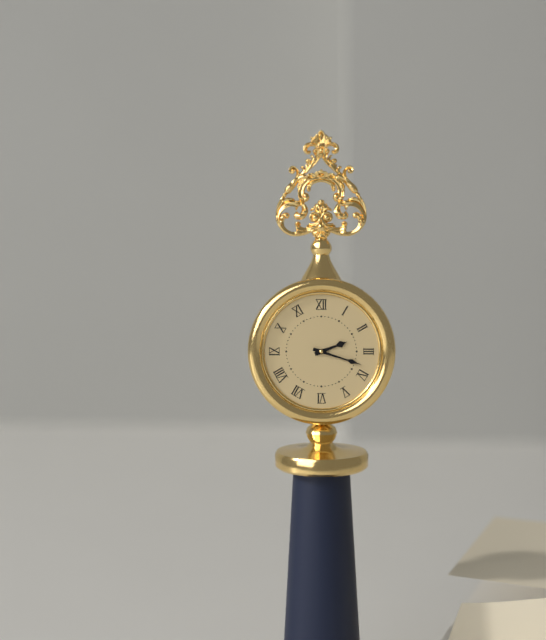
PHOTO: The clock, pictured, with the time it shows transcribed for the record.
2:18
